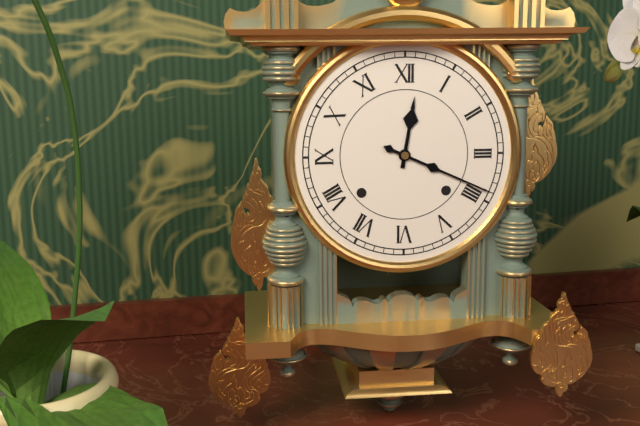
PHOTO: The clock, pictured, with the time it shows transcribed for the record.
12:19
